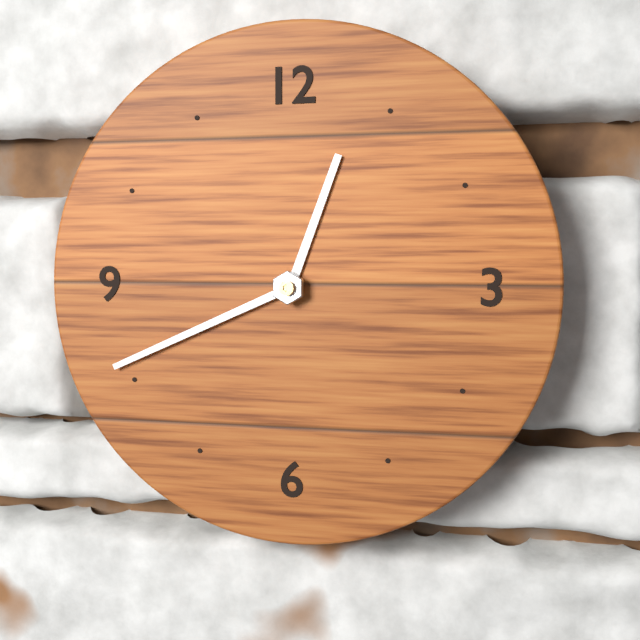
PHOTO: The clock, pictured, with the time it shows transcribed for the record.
12:41
